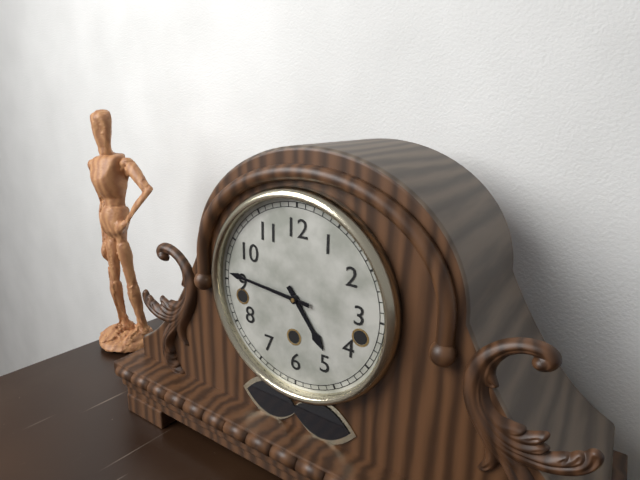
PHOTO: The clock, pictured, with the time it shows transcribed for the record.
4:46
